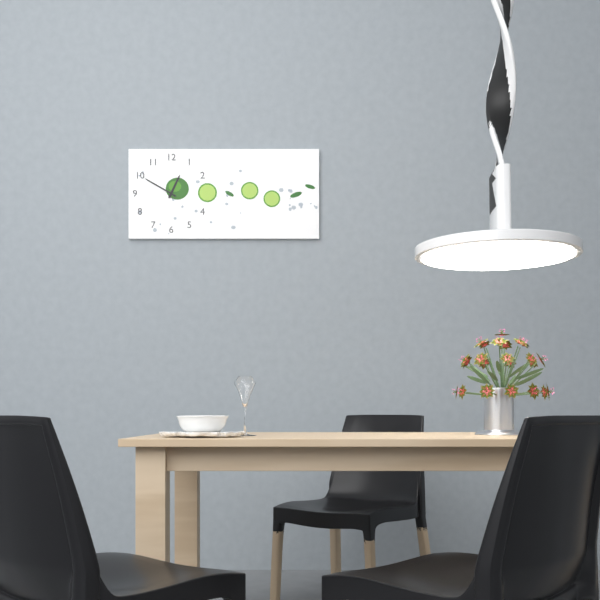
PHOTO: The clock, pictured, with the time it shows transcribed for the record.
12:50
